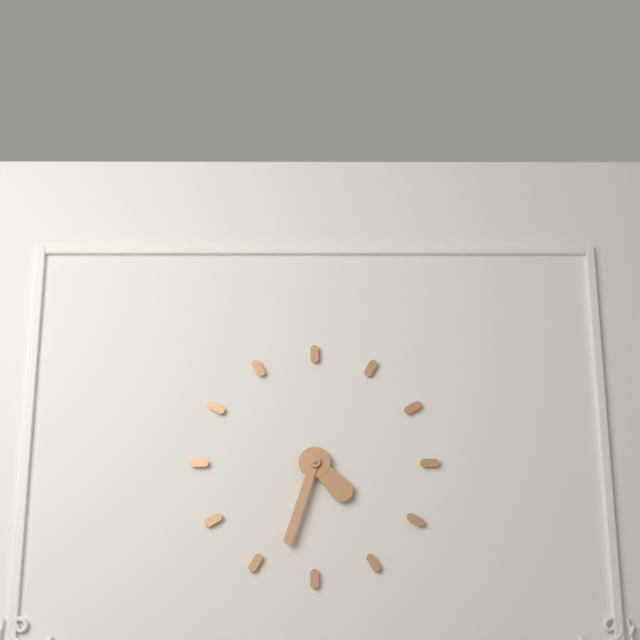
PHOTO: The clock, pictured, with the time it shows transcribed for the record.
4:33
